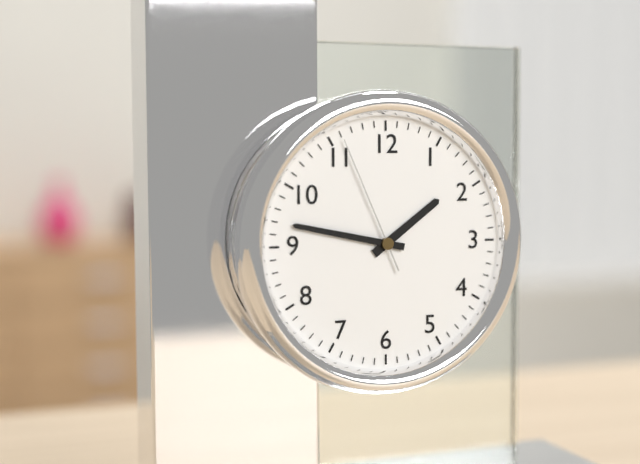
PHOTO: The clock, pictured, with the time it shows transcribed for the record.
1:47:56
